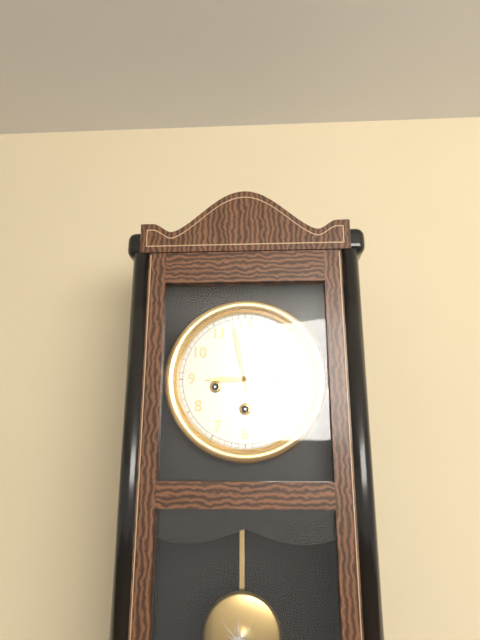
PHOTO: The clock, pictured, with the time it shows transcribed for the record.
8:58
